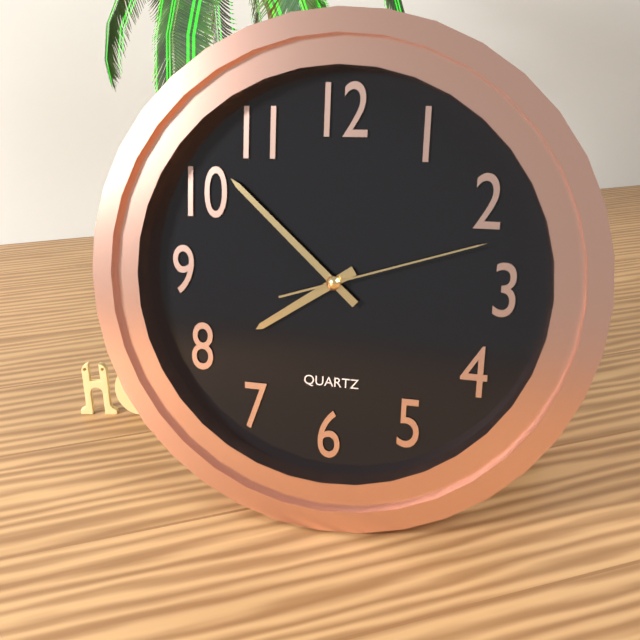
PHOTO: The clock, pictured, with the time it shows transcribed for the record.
7:52:12
